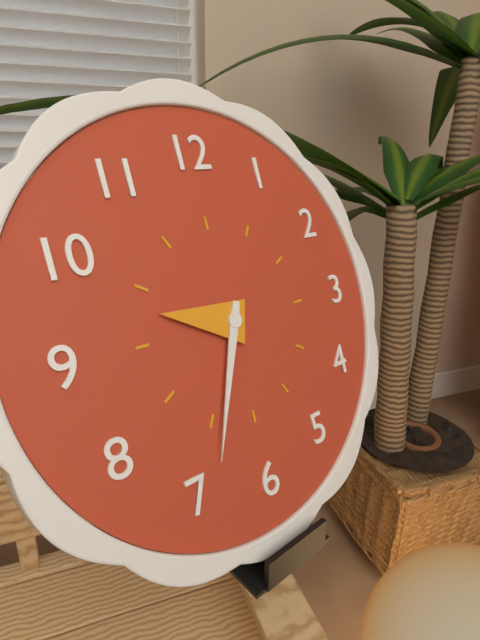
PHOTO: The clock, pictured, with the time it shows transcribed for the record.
9:34
